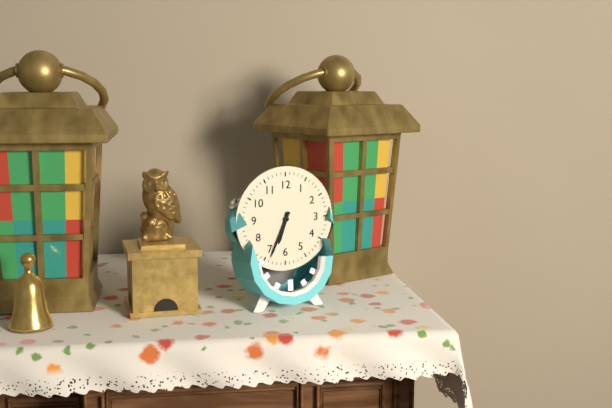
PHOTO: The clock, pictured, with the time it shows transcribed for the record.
6:34
